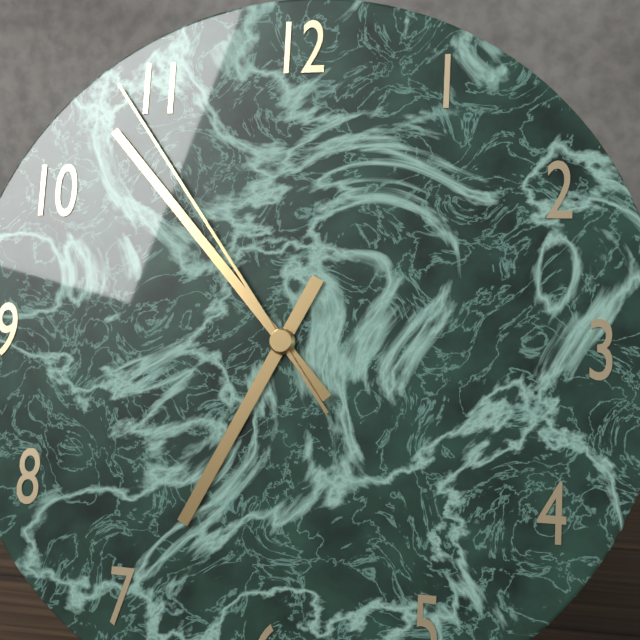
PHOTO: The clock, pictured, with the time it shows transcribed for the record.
6:53:54
